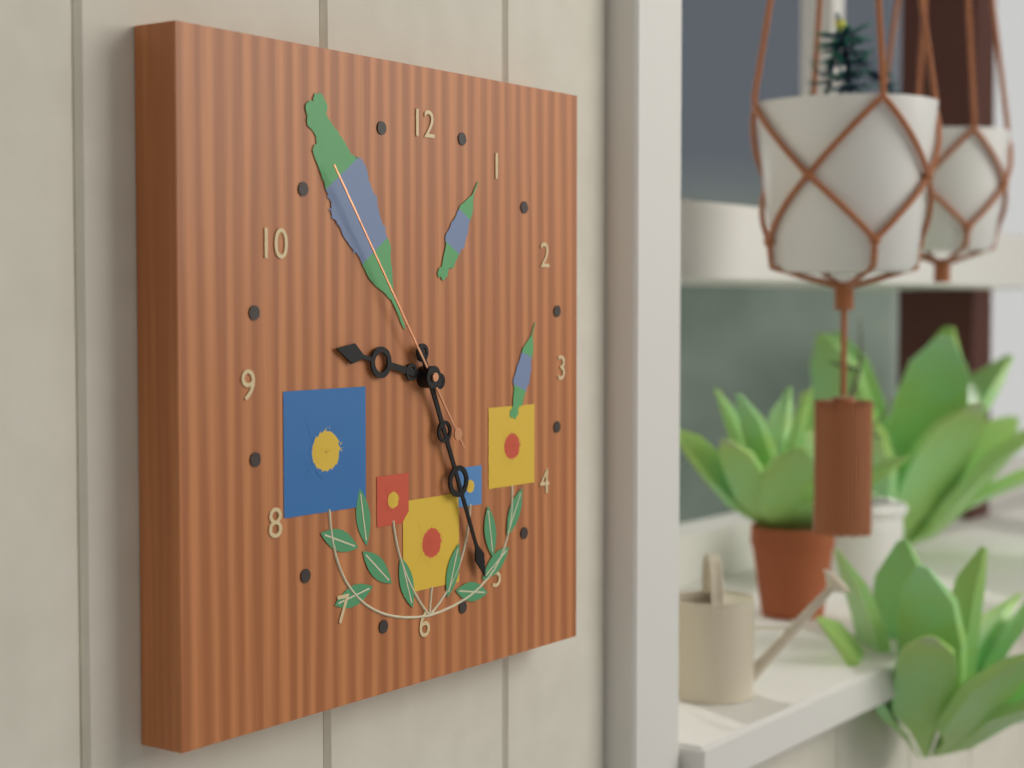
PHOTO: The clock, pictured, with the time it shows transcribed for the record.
9:26:54
